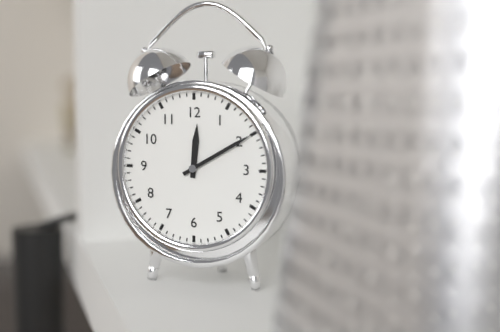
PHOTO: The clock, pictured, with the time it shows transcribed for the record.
12:10
